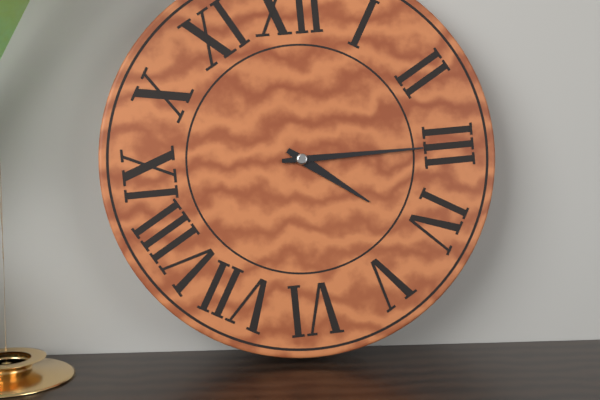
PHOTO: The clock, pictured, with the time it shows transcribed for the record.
4:15
